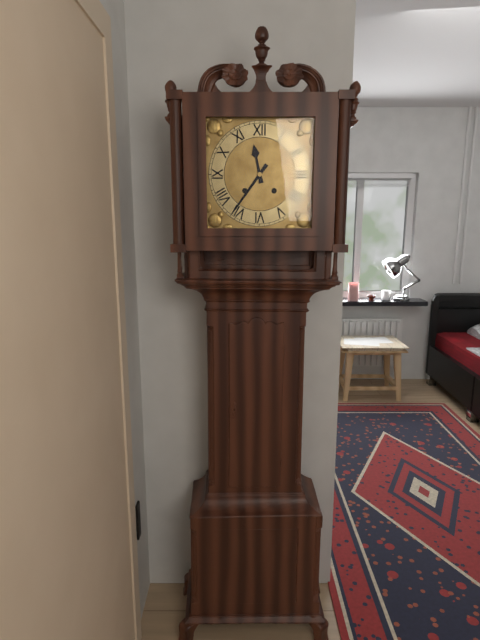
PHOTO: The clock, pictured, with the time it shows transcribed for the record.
11:36
